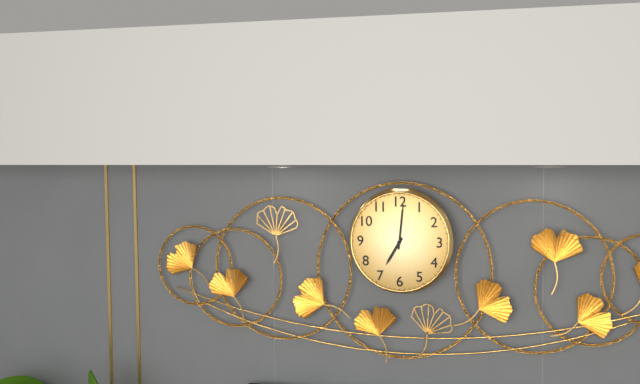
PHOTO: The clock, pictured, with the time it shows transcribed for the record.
7:01
